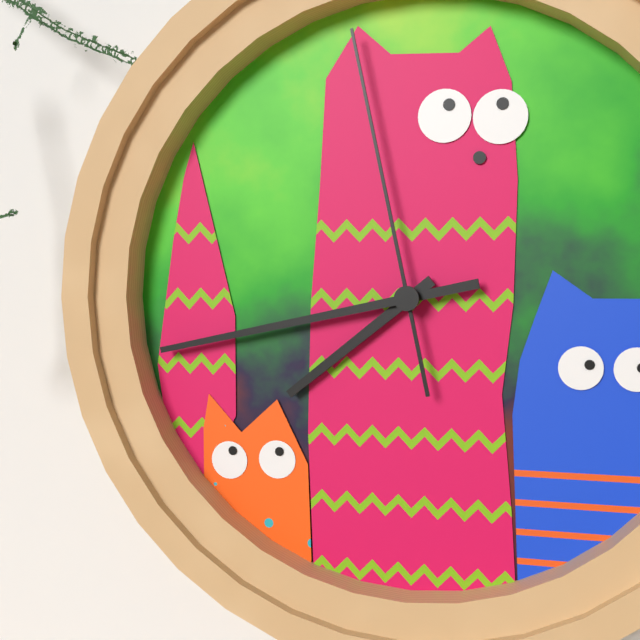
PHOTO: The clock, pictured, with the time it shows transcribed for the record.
7:43:58
